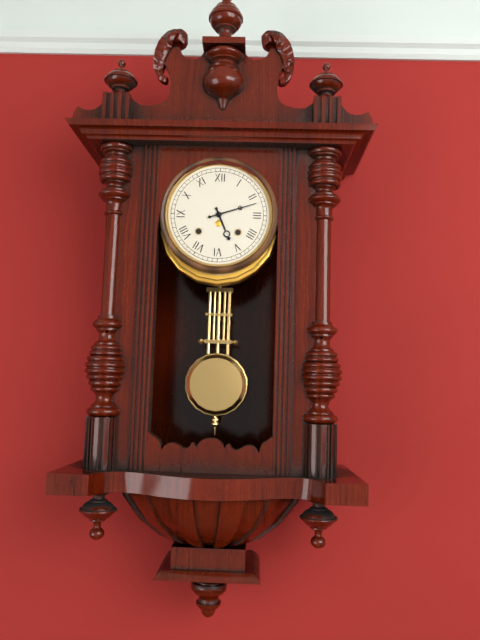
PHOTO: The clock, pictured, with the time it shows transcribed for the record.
5:12
